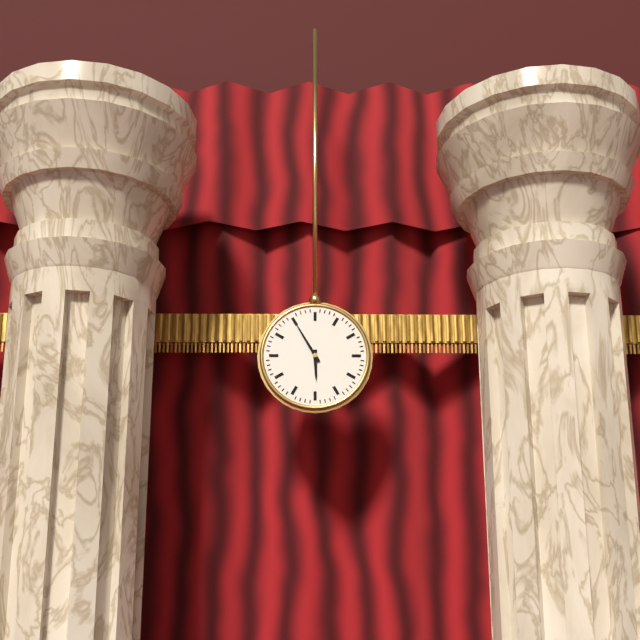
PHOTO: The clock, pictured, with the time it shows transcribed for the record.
5:55
